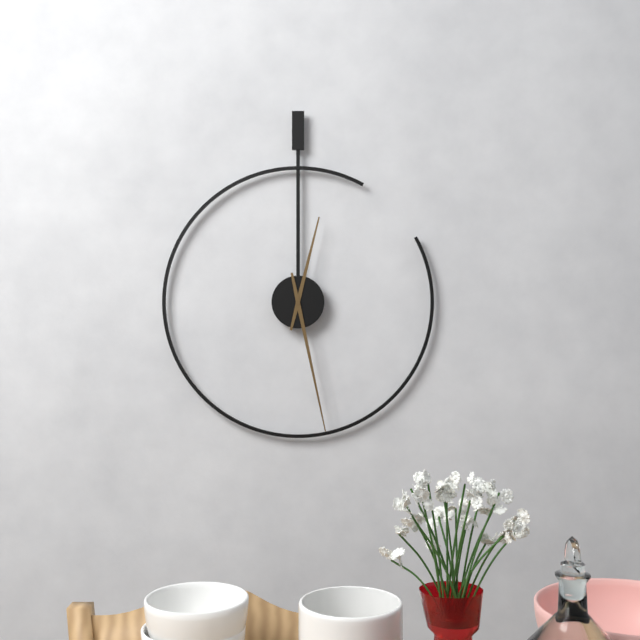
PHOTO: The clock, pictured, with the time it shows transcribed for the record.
12:28
